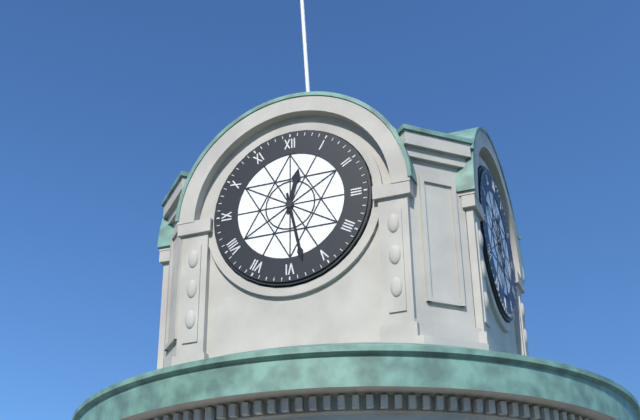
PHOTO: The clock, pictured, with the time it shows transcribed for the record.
12:28
